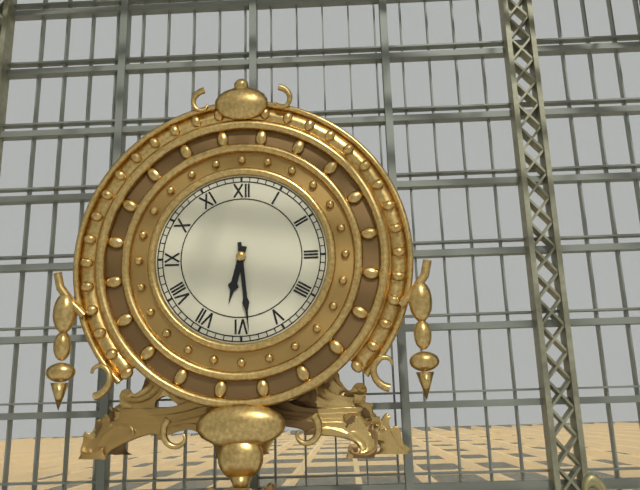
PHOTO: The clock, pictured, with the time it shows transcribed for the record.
6:29
